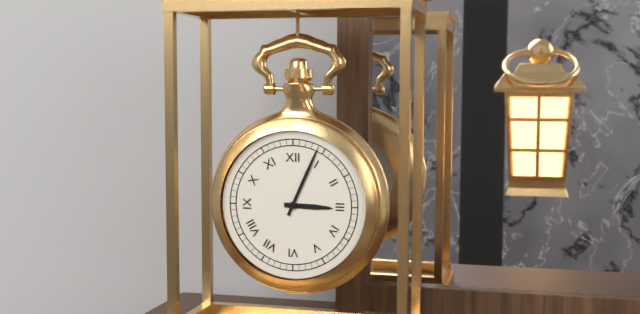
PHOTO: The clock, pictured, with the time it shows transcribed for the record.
3:04
